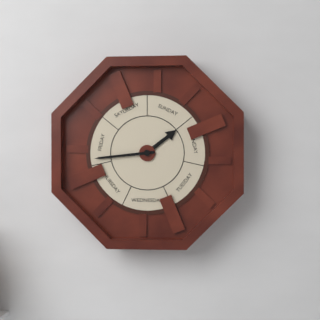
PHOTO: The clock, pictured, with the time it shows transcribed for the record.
1:44
